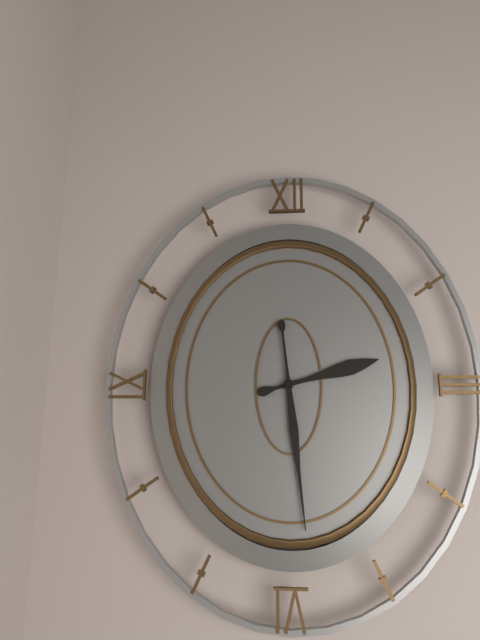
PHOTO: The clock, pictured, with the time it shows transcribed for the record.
2:29
